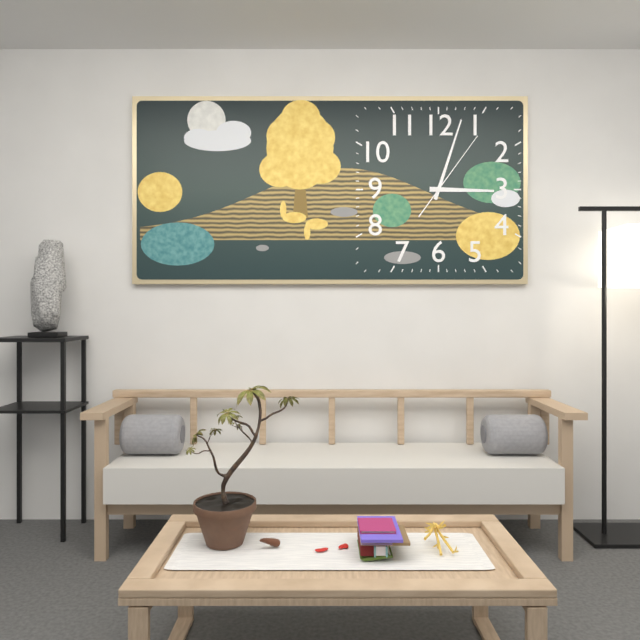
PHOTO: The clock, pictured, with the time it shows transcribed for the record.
3:03:06
